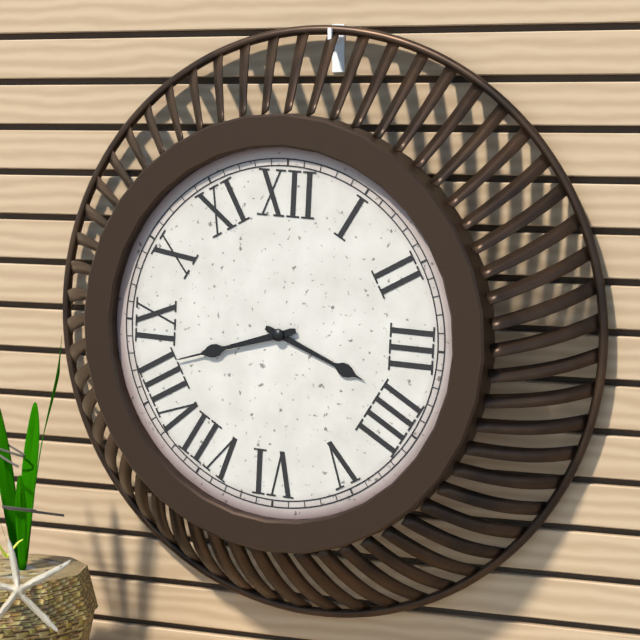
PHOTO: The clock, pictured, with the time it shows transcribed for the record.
3:42
